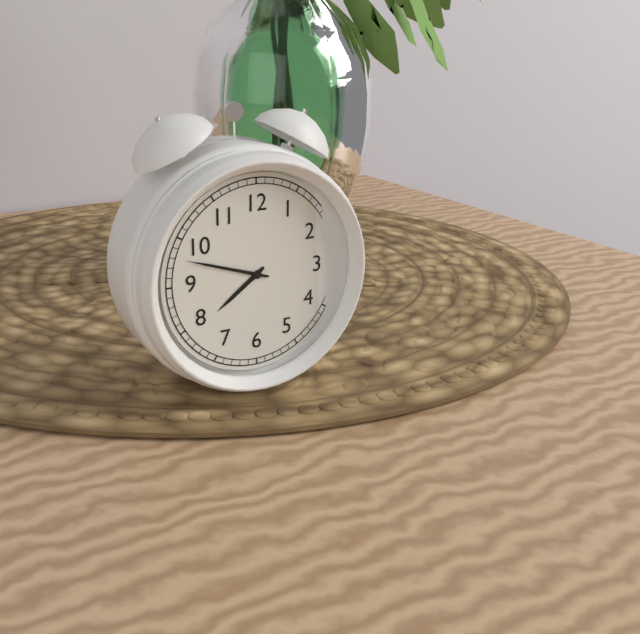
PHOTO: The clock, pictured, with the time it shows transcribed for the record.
7:48
